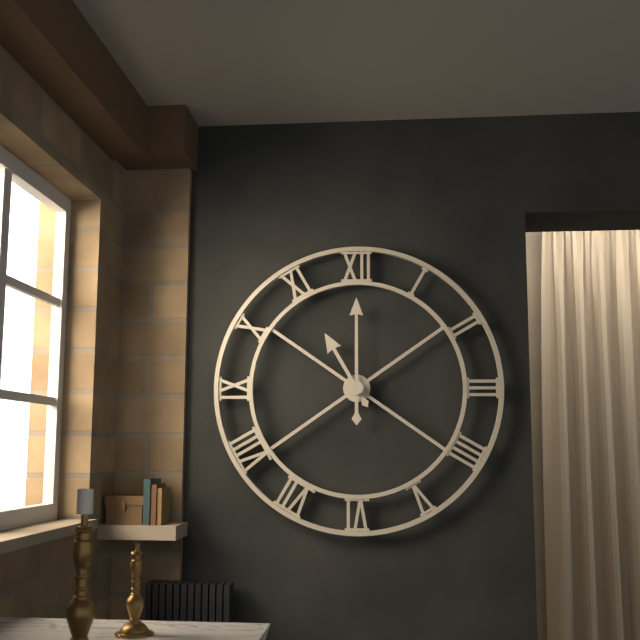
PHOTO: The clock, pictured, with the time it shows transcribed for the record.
11:00
